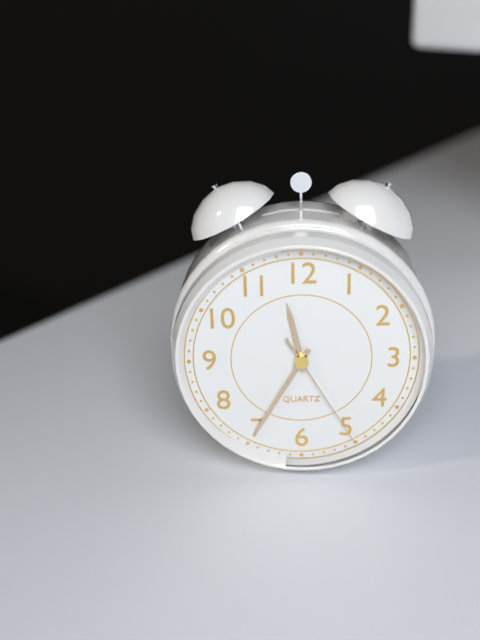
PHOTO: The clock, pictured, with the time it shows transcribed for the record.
11:35:25
